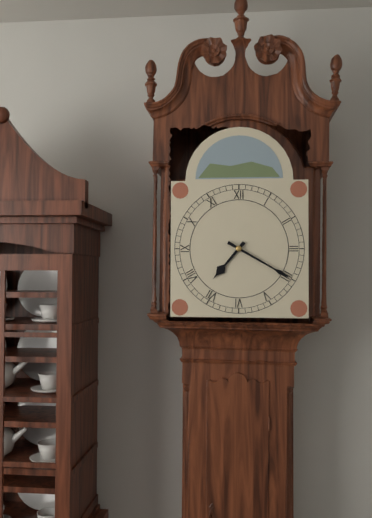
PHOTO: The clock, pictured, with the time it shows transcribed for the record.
7:20
